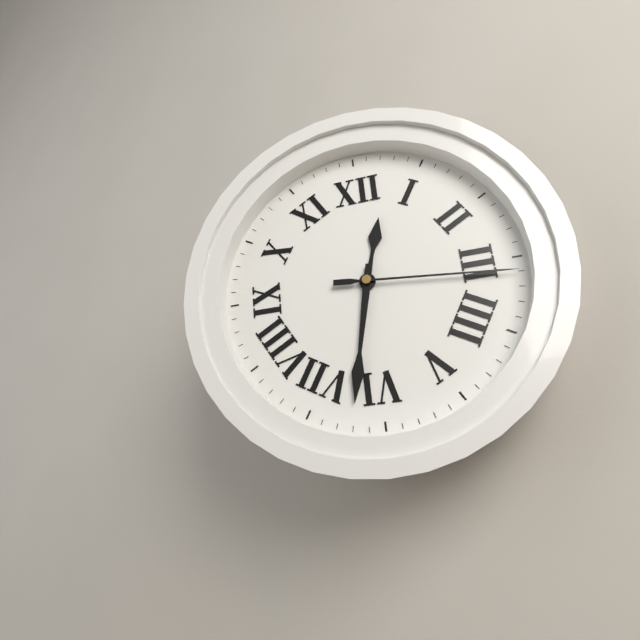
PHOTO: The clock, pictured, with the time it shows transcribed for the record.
12:32:16
